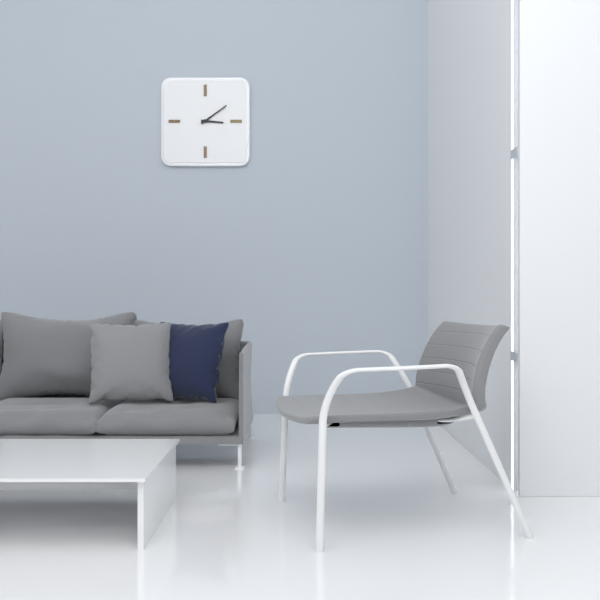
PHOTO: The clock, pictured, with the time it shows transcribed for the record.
3:09
